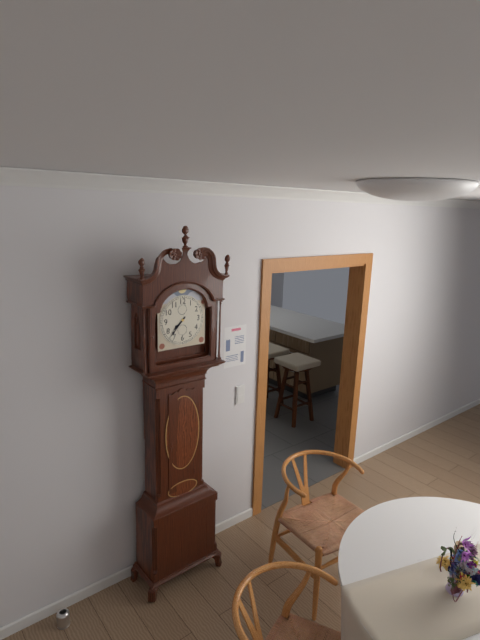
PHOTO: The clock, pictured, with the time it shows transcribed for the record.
7:37
